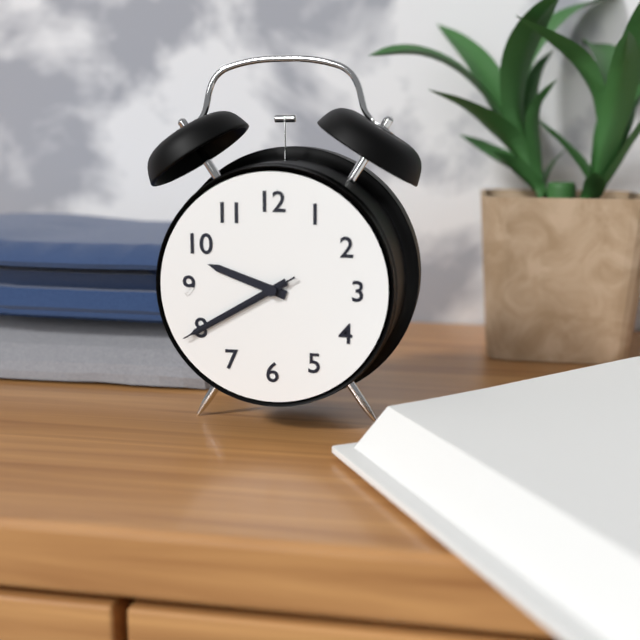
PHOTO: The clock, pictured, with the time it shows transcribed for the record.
9:40:40
